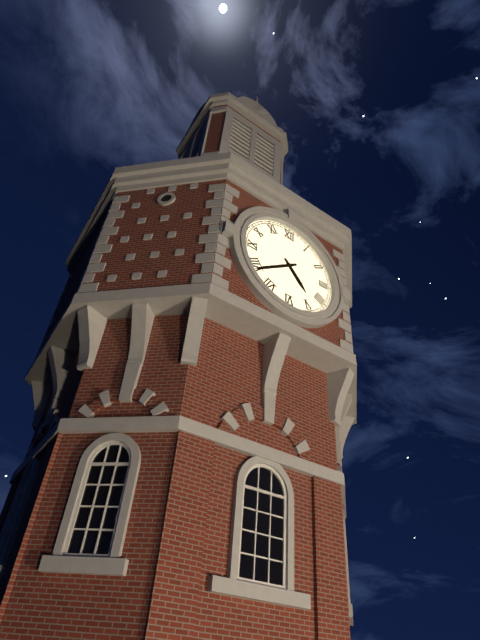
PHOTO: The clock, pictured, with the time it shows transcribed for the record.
4:39
